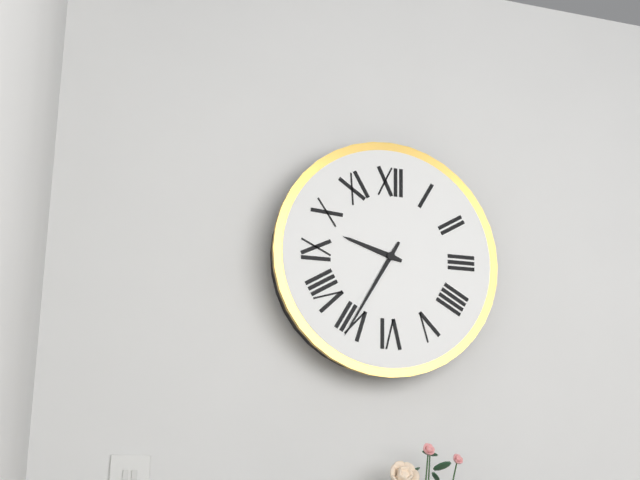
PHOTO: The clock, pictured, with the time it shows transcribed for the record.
9:35
